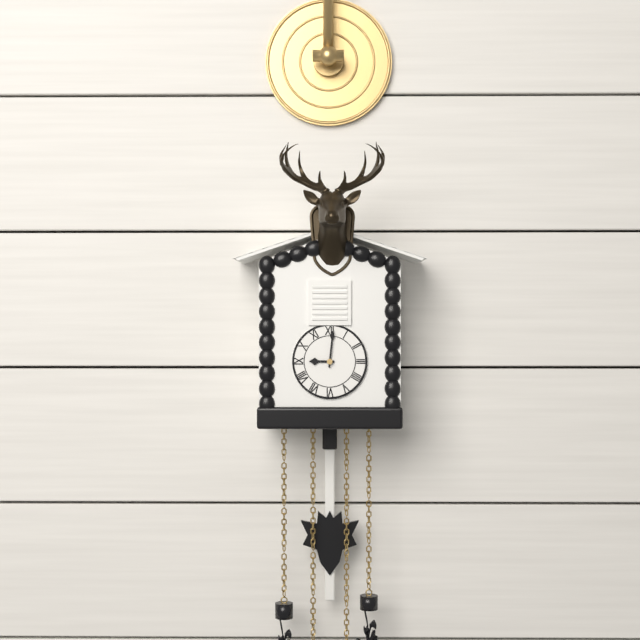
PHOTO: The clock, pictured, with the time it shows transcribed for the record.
9:01
